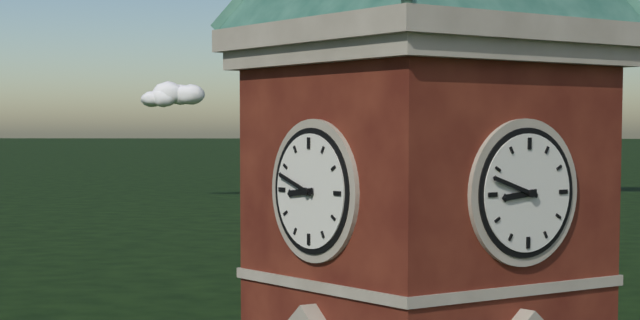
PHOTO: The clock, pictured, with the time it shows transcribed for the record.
8:48
